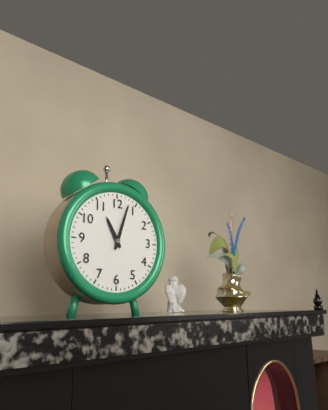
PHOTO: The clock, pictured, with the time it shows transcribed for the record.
11:03
